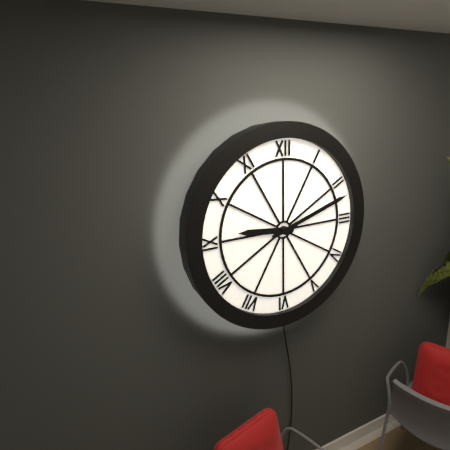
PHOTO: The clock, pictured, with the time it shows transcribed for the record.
9:12
